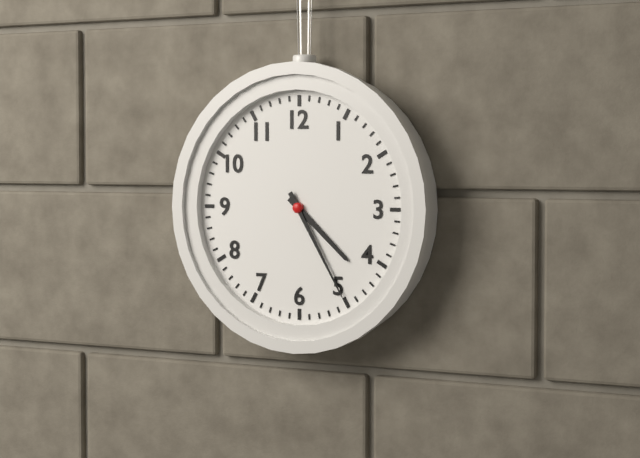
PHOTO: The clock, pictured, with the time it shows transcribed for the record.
4:25
